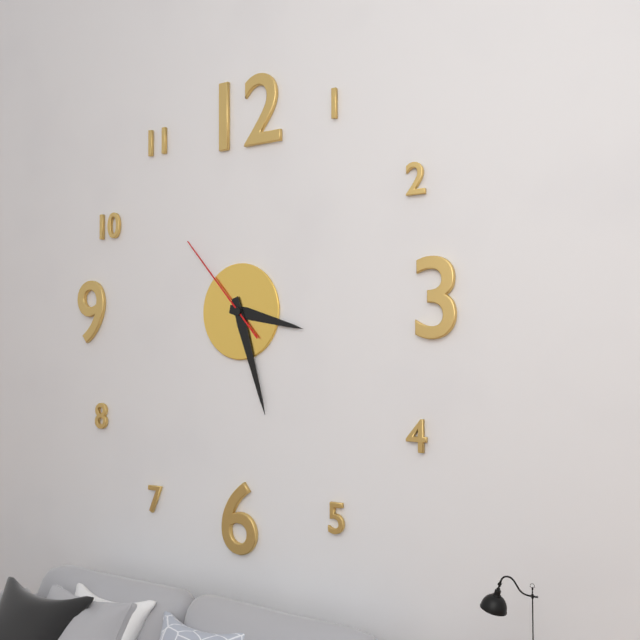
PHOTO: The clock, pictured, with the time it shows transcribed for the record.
3:27:53
